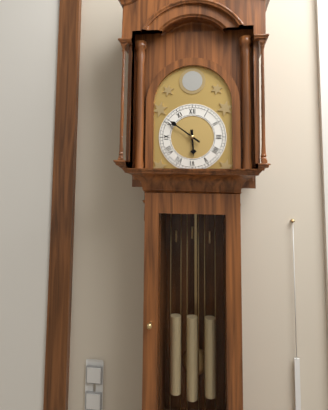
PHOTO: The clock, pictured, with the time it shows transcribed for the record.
5:51
